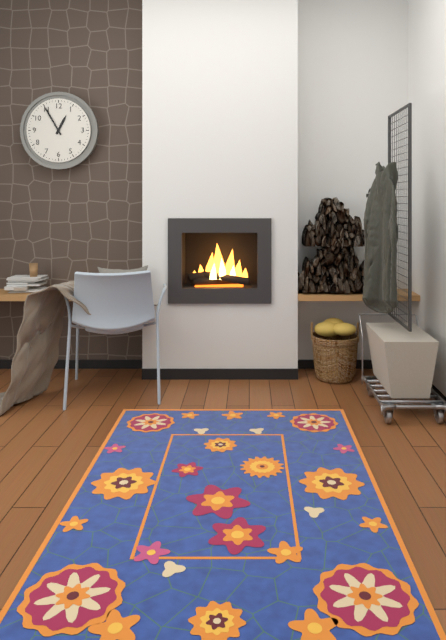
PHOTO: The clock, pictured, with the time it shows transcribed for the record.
12:55
